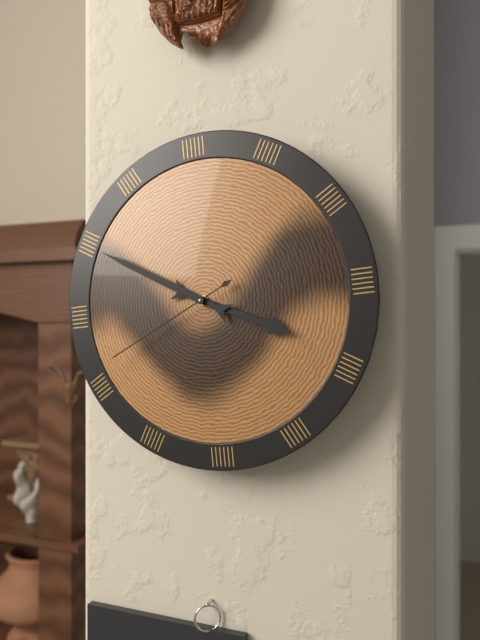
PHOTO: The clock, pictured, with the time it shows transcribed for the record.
3:50:41
